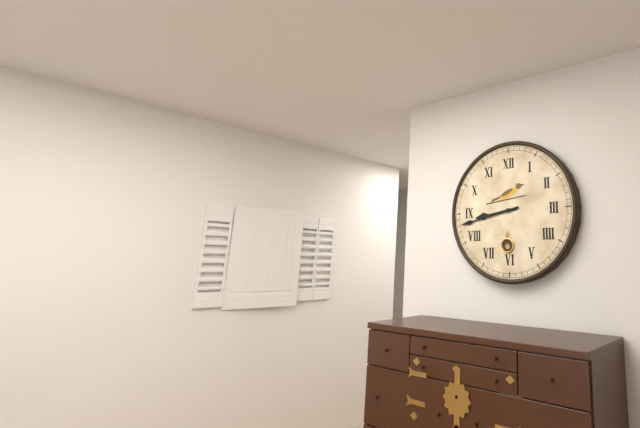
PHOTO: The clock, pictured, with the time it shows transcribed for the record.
8:43
